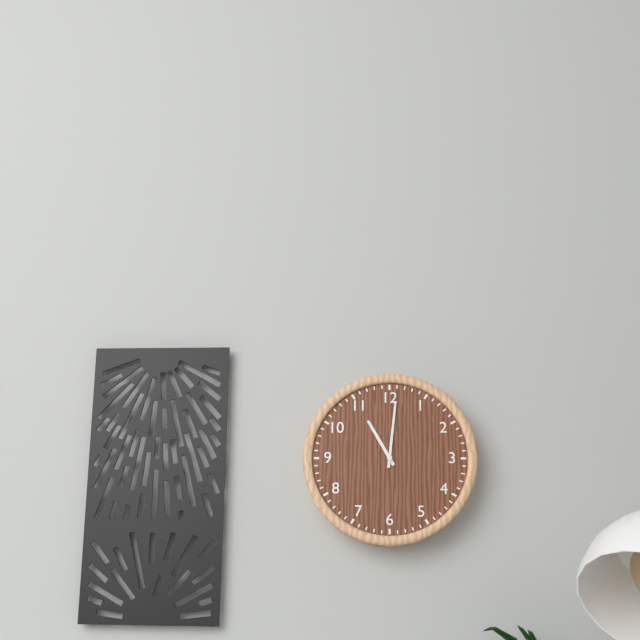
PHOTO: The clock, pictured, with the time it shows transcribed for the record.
11:01
